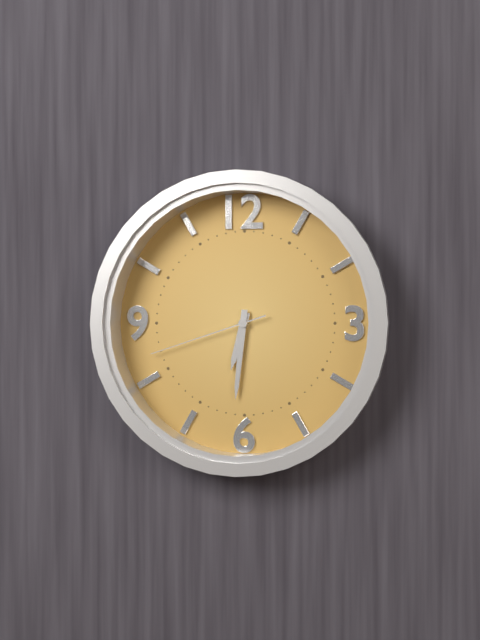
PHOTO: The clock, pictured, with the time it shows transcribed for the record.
6:31:42
